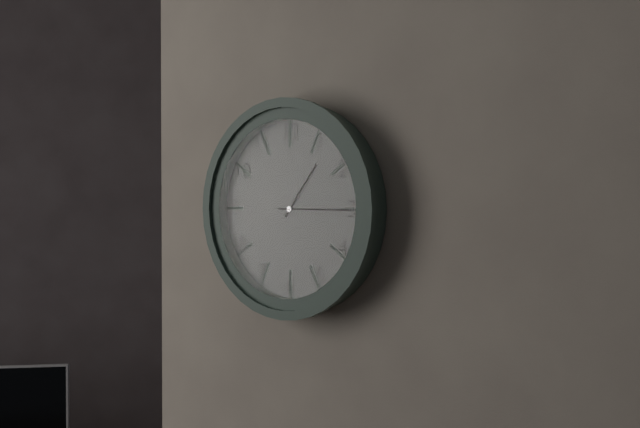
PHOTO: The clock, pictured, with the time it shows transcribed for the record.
1:15
